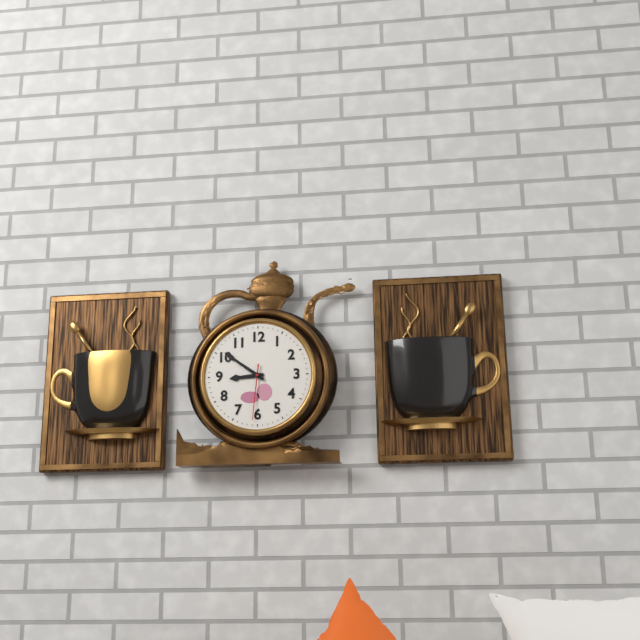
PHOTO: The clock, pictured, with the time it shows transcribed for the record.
8:51:31
